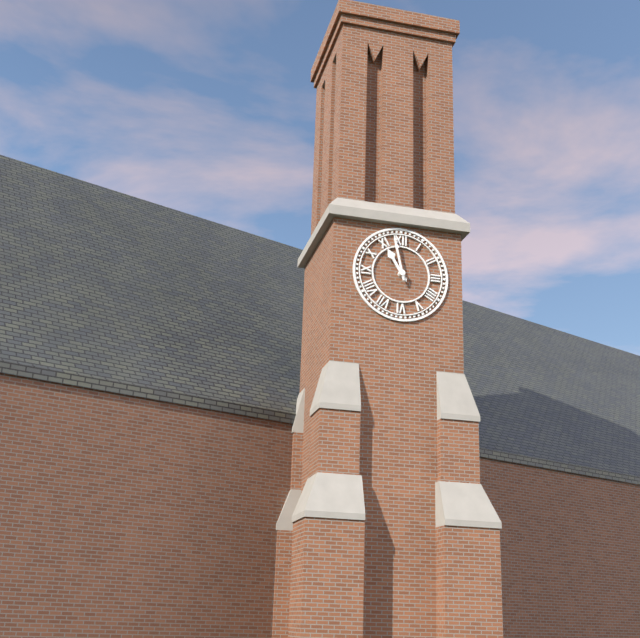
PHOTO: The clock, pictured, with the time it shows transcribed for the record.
10:58
